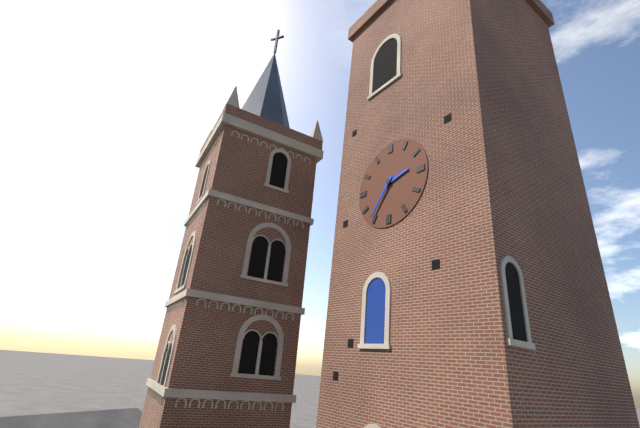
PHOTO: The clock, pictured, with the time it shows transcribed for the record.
2:36
